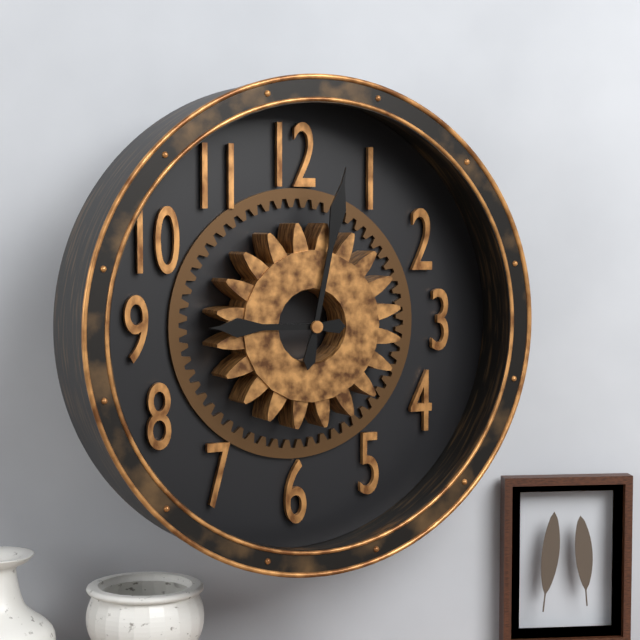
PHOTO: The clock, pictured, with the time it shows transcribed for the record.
9:02
